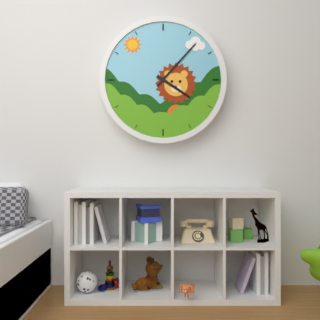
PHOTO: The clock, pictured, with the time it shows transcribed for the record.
4:07
